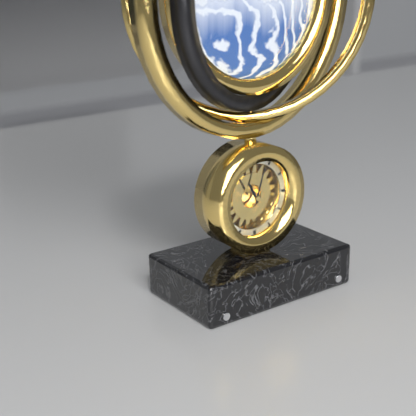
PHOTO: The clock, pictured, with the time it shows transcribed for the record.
11:03
